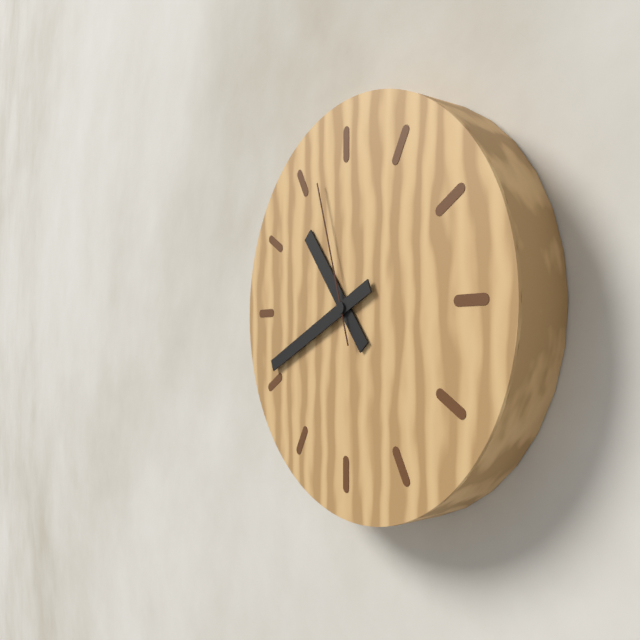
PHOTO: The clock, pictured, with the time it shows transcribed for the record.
10:41:57
